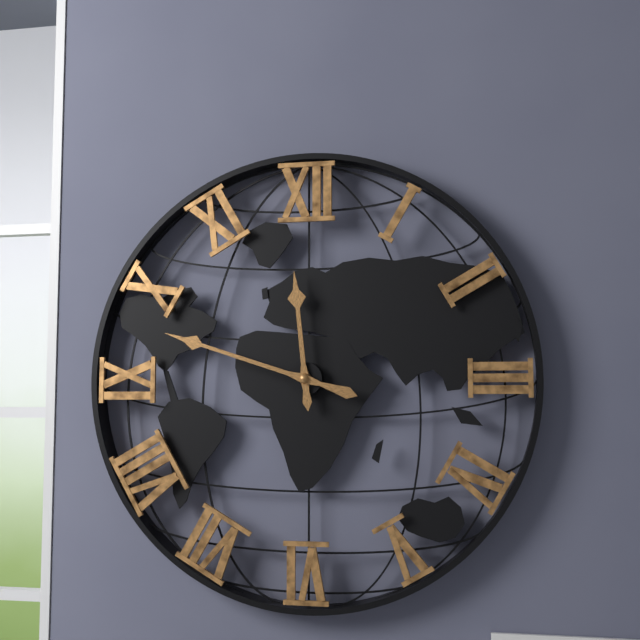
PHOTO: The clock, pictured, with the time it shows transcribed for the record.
11:48
